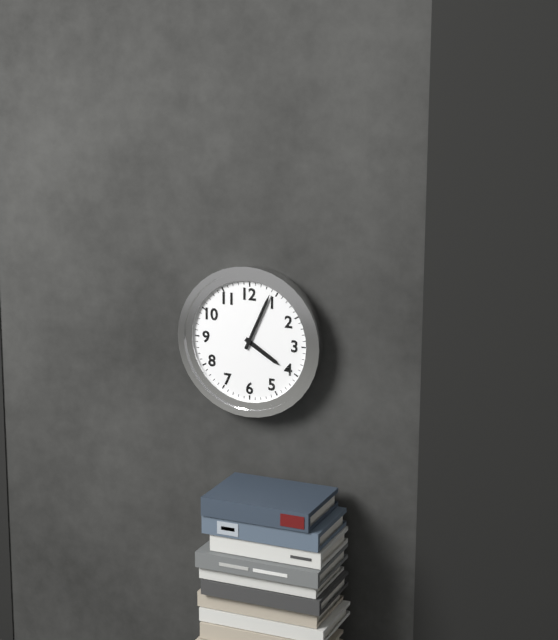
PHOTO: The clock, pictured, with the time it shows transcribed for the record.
4:04
